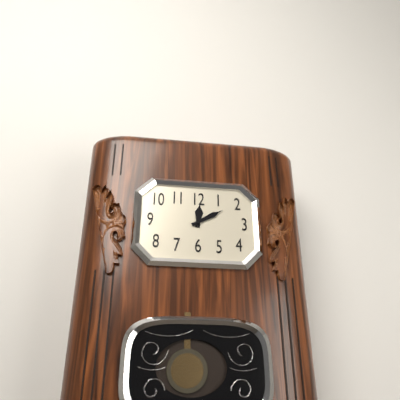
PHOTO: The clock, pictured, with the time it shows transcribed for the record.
12:10
